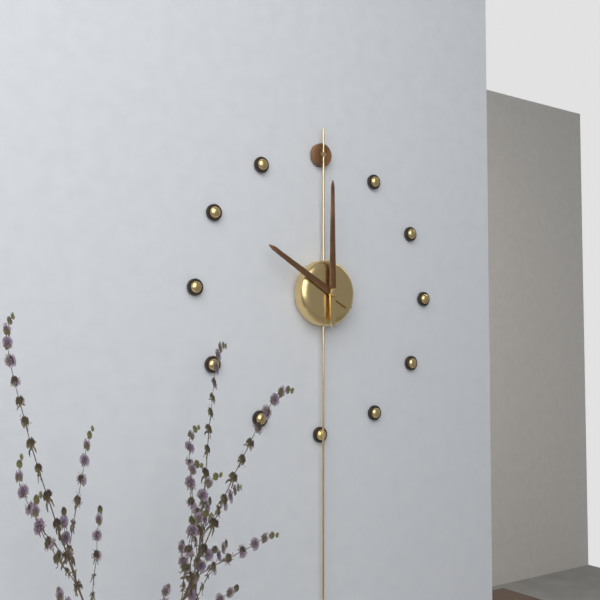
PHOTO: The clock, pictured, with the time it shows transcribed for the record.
10:00
